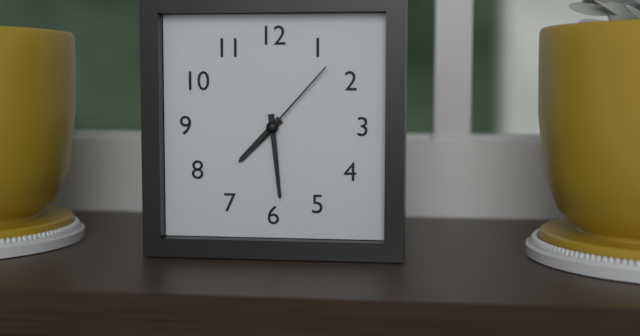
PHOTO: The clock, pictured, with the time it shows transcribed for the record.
7:29:07
